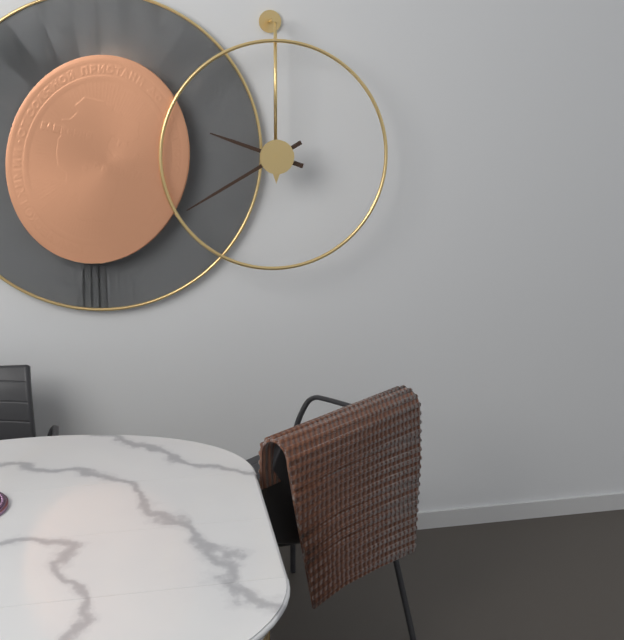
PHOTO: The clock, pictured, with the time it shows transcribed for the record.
9:40
